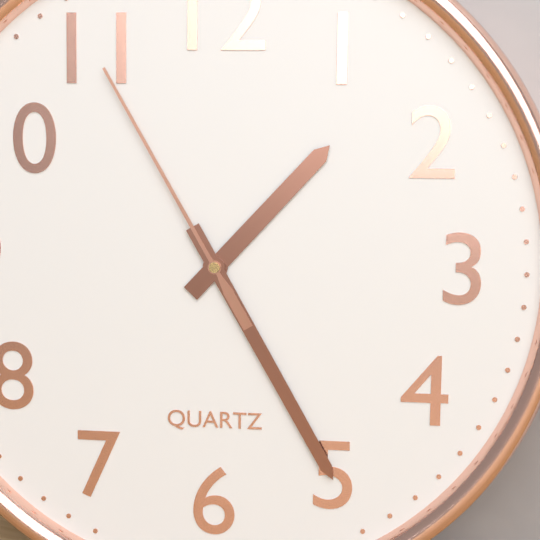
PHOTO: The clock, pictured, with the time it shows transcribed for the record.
1:25:55
